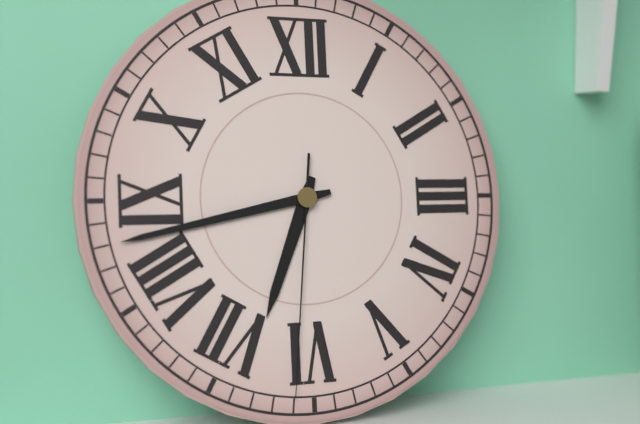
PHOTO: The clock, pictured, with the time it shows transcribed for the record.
6:43:31
